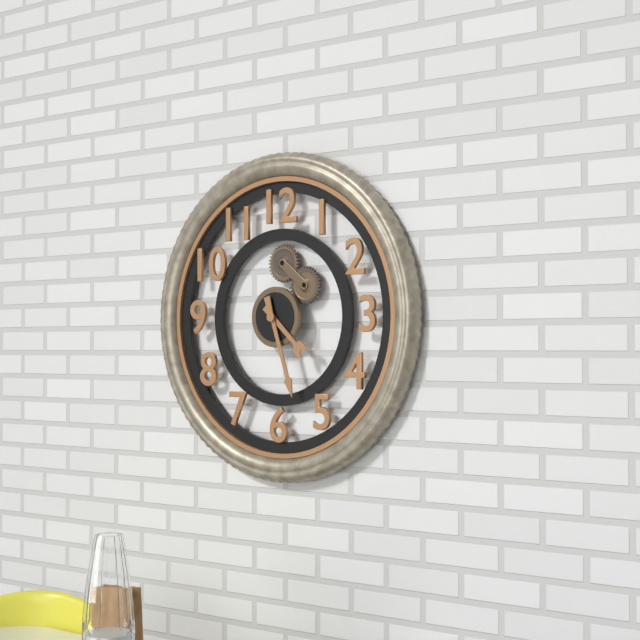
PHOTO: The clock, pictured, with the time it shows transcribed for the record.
4:27
